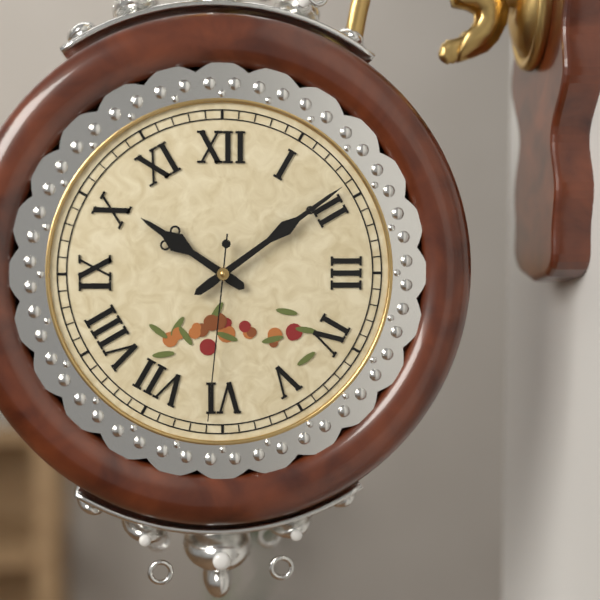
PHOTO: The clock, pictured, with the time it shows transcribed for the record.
10:09:31
